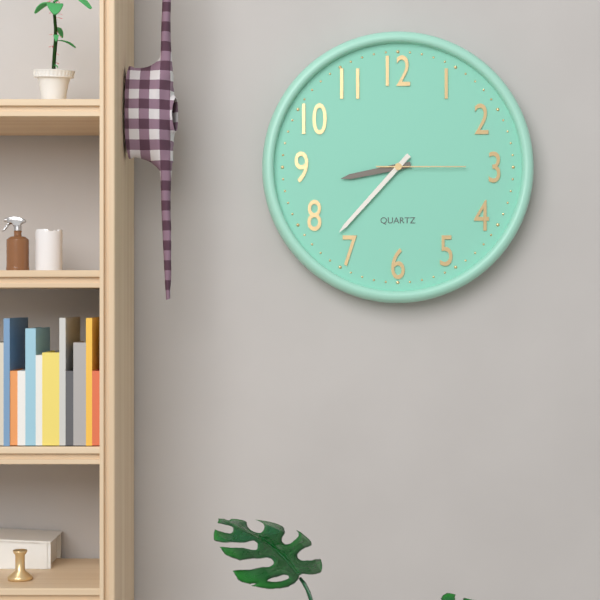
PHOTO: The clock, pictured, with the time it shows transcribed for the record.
8:37:15
